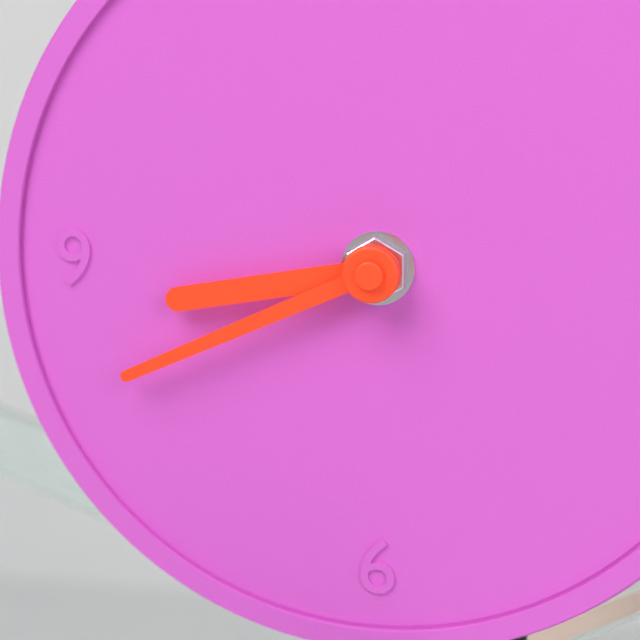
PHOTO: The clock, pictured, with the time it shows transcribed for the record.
8:41
